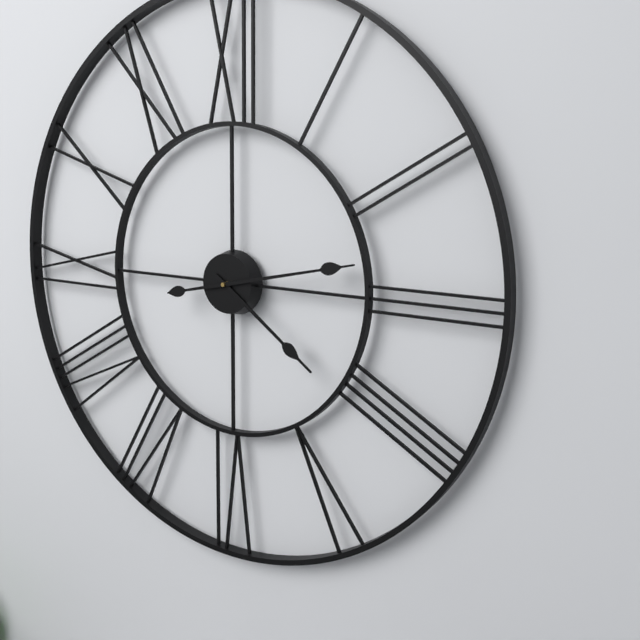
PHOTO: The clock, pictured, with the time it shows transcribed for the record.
4:13
